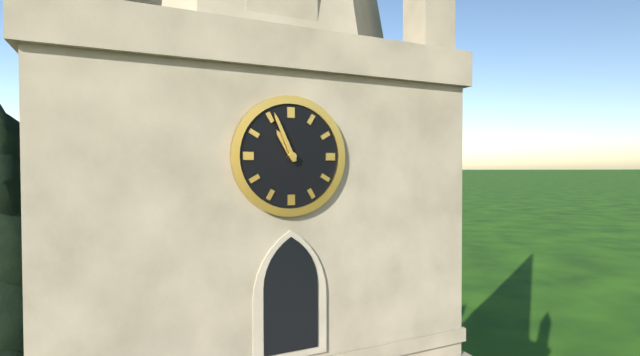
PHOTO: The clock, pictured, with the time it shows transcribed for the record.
10:56
